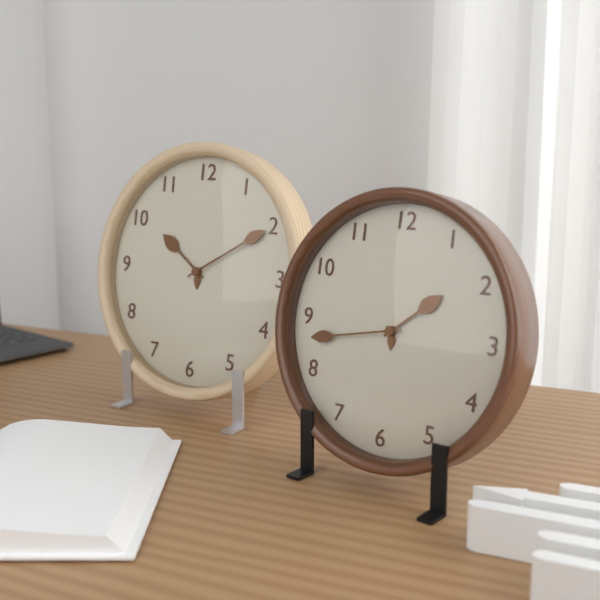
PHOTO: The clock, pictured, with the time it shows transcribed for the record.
1:43
